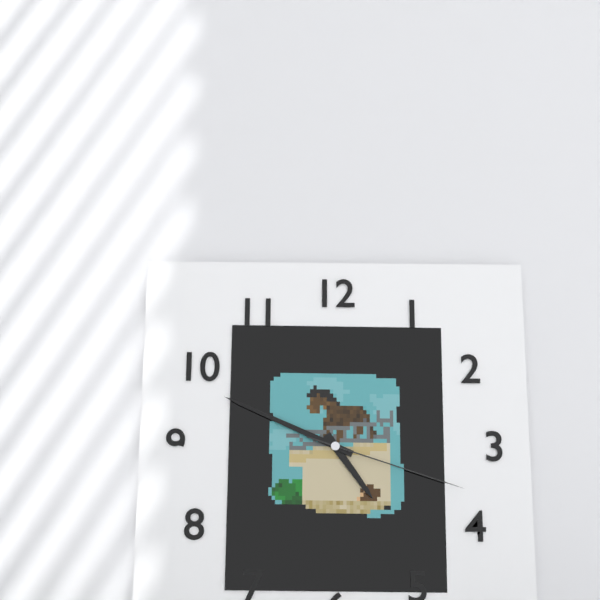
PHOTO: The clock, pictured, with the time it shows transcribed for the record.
4:49:18
